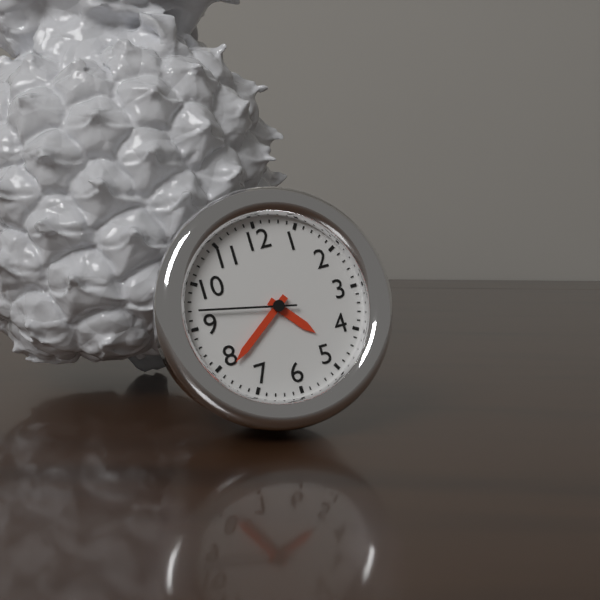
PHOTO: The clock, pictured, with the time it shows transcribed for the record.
4:39:47
